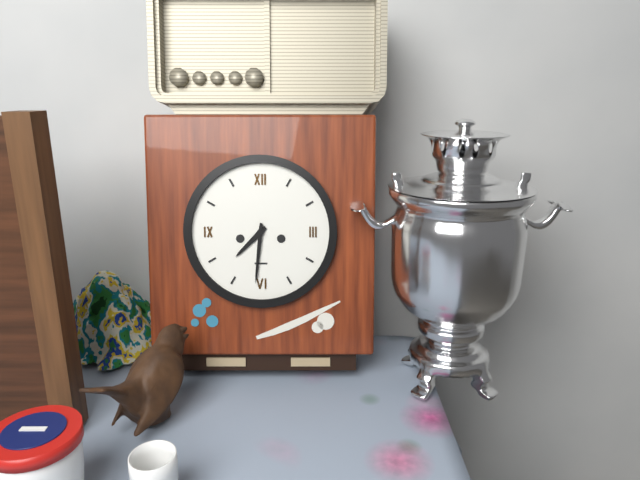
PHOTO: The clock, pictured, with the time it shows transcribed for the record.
7:31
